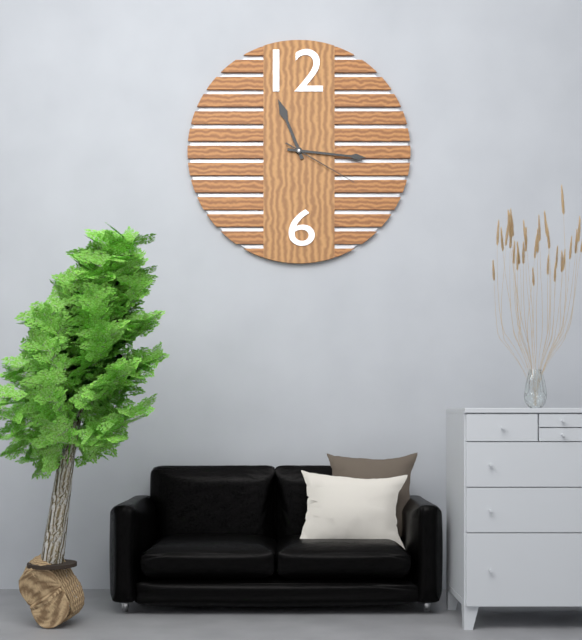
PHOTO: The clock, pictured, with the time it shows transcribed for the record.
11:16:20
